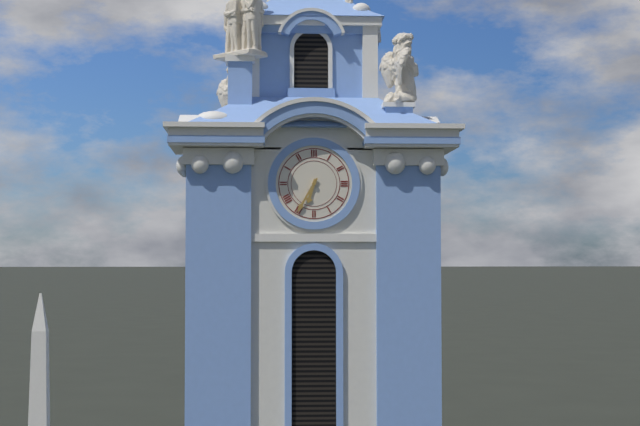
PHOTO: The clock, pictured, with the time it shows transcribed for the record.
6:35
